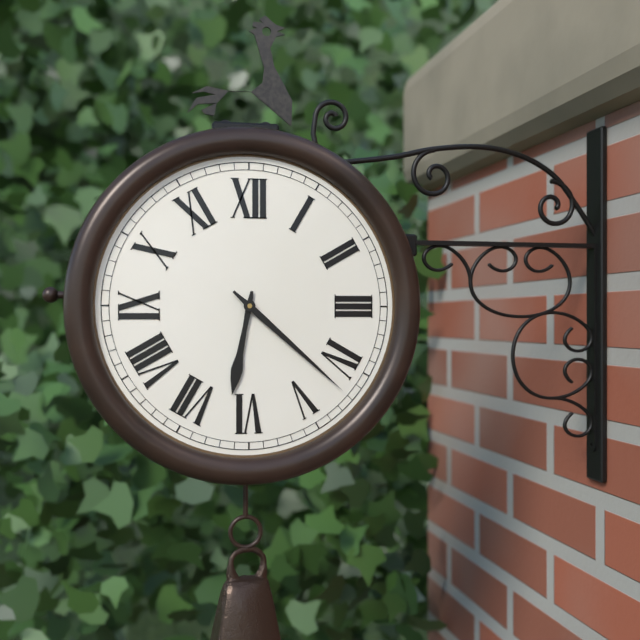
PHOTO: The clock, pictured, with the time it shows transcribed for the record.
6:22
